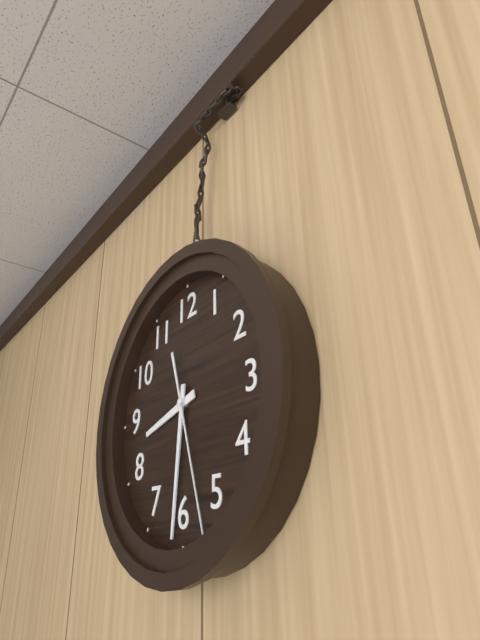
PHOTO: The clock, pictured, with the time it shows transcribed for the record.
8:31:27
